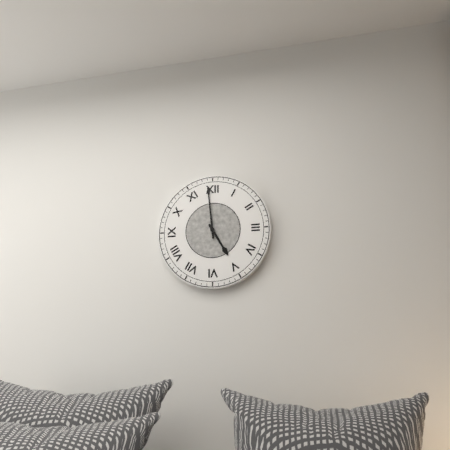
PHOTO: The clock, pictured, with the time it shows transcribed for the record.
4:59
